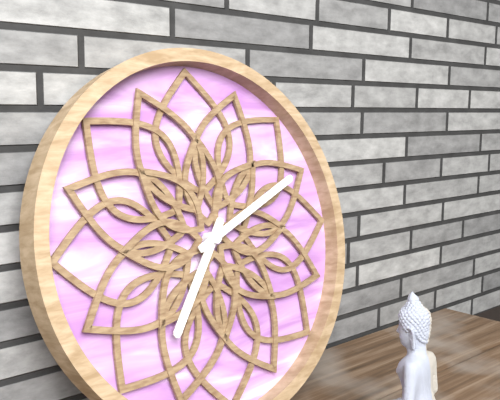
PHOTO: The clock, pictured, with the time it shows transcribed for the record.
7:11
